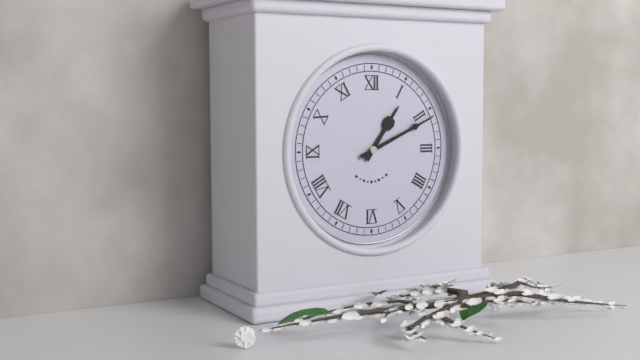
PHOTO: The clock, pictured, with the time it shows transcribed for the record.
1:11
